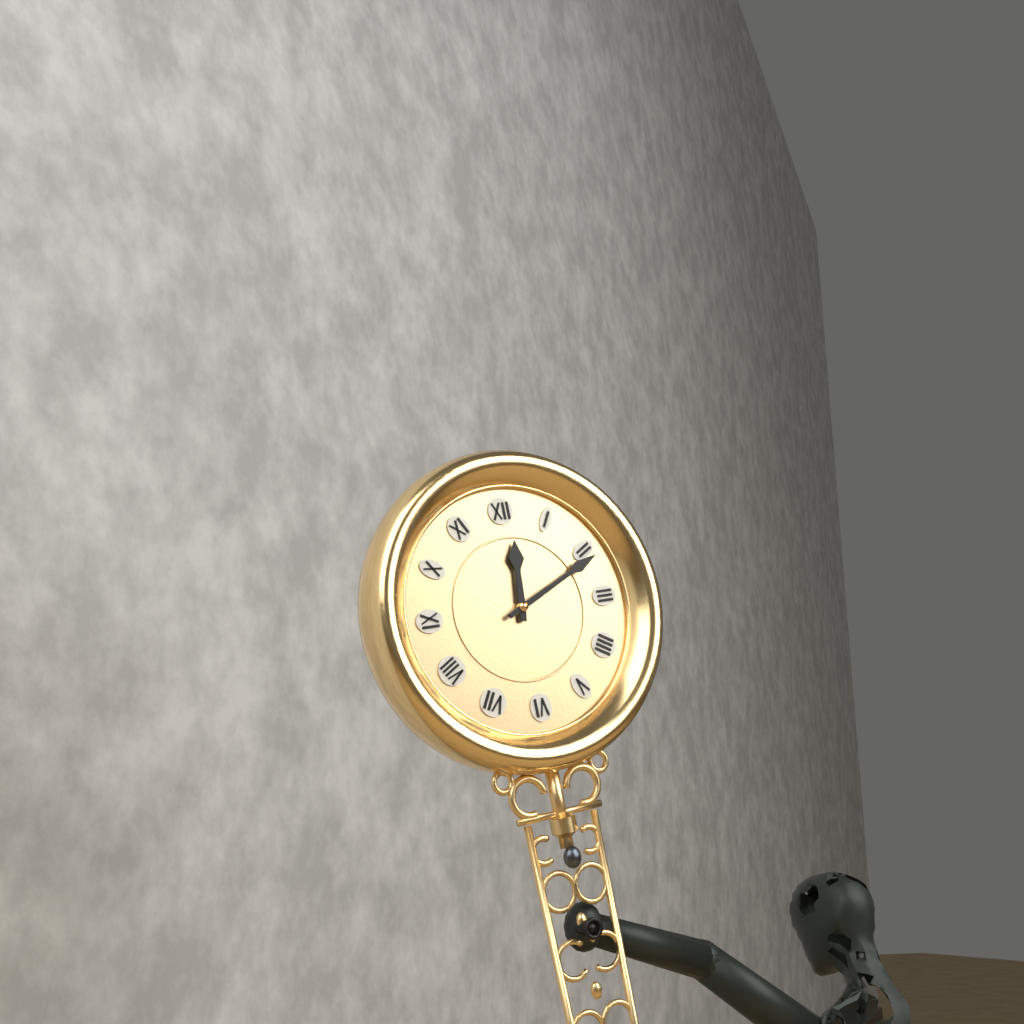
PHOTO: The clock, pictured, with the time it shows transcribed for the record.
12:11
